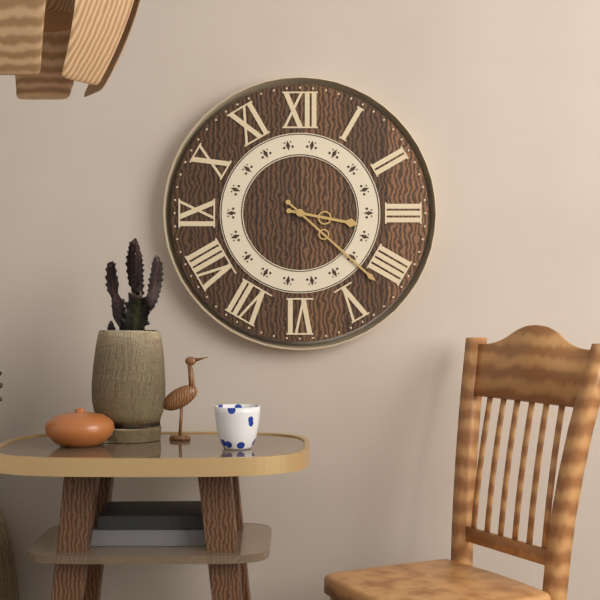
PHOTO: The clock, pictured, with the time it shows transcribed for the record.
3:22
